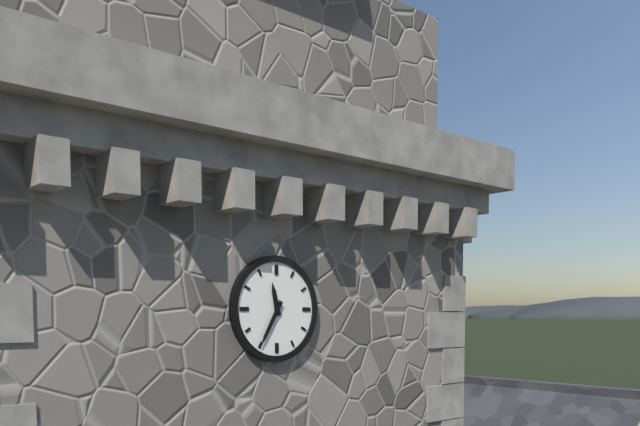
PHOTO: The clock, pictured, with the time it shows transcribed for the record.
11:35
